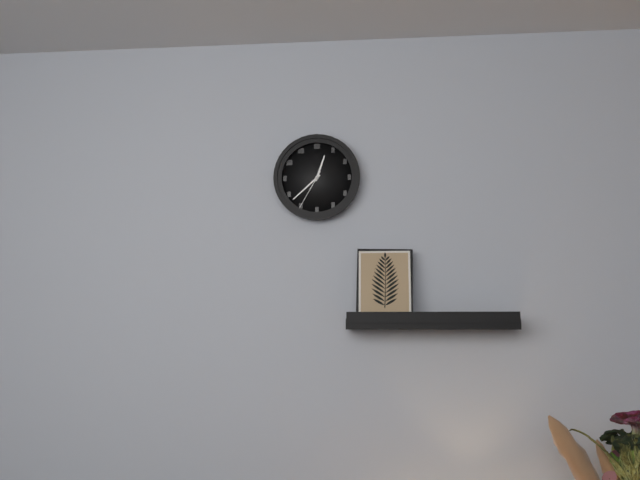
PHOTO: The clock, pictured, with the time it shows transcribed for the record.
12:38
